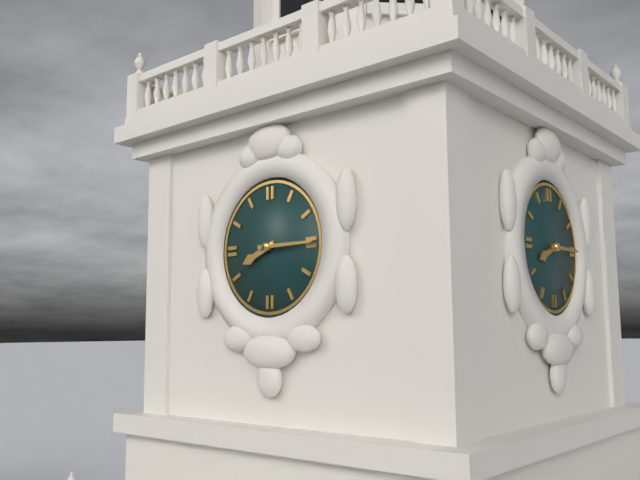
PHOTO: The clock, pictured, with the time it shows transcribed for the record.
8:15
